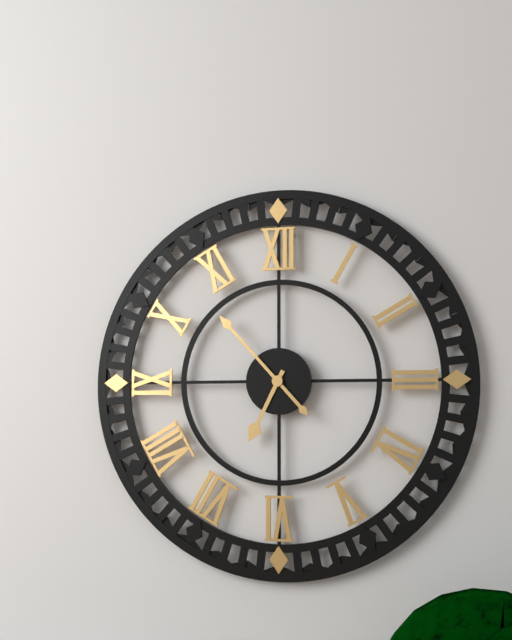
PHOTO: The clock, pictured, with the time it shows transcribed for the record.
6:53
